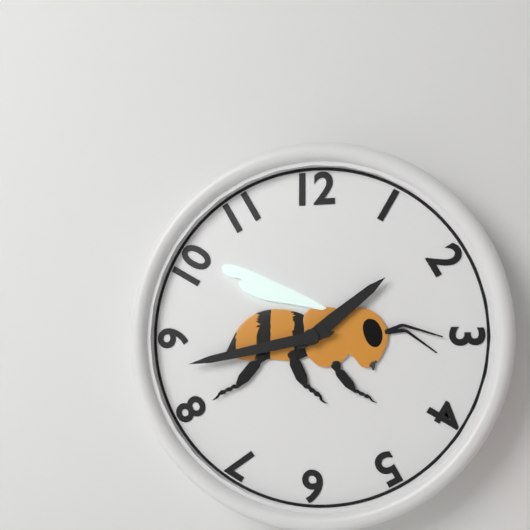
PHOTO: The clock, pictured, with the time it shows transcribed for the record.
1:43
